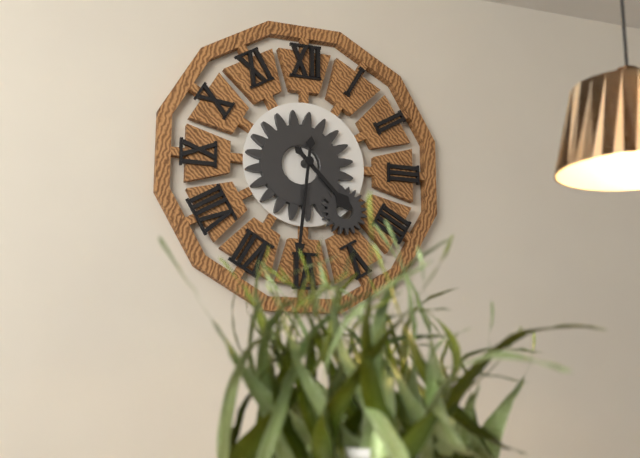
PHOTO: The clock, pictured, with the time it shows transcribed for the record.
4:31
